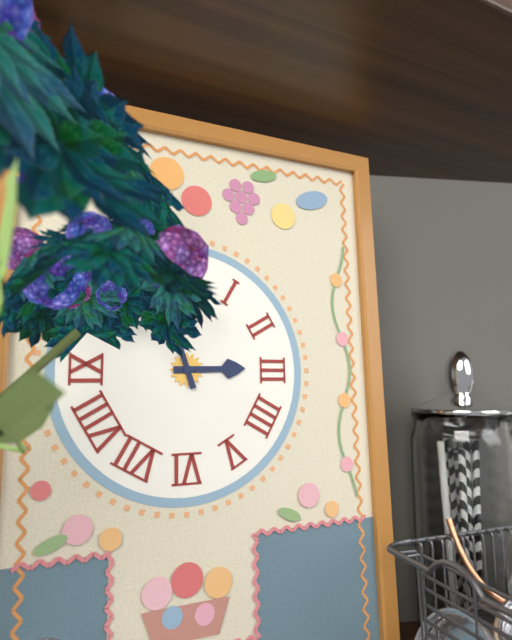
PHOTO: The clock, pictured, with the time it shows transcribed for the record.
2:57
